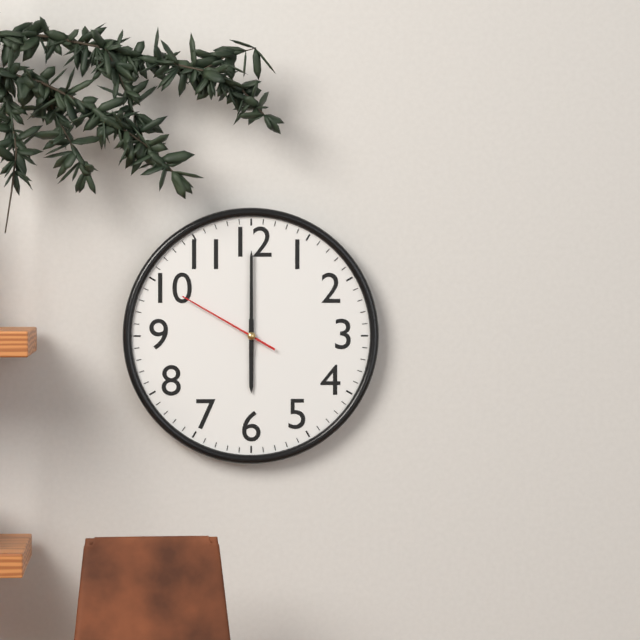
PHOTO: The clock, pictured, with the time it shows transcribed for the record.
6:00:50
